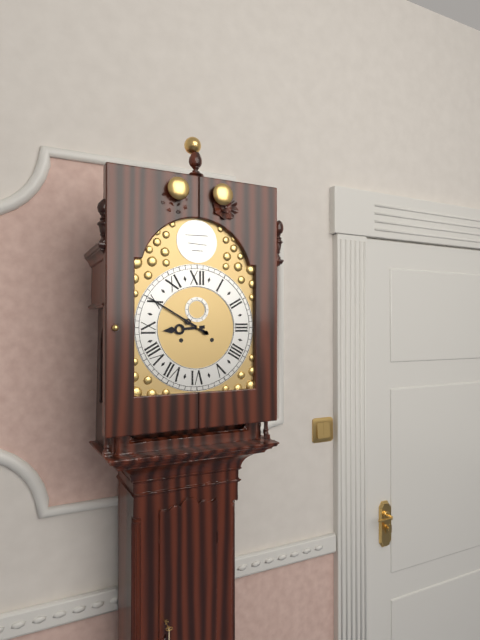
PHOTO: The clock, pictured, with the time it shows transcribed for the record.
8:50
